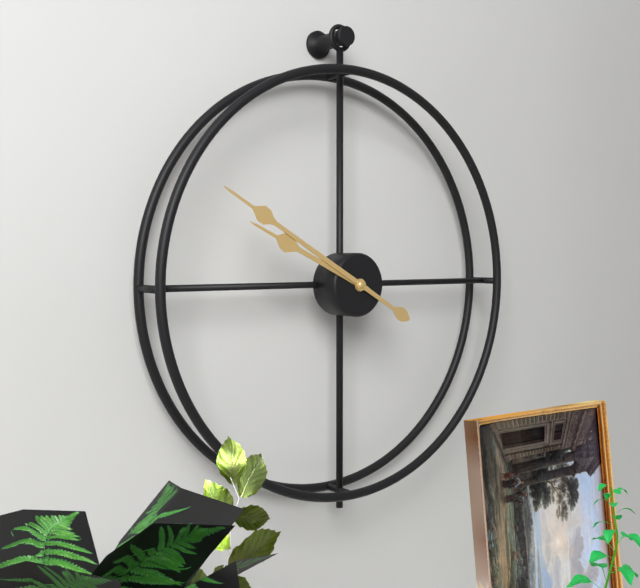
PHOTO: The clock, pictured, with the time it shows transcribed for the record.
9:50
